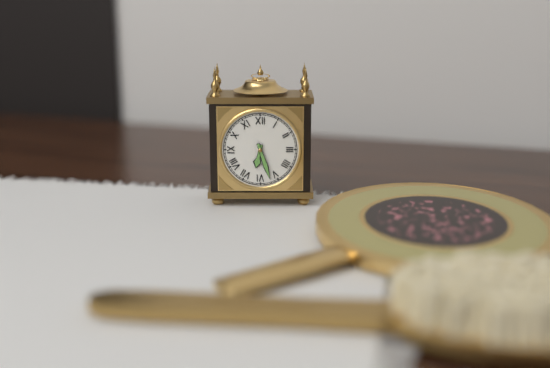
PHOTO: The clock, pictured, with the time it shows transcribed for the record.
6:27
